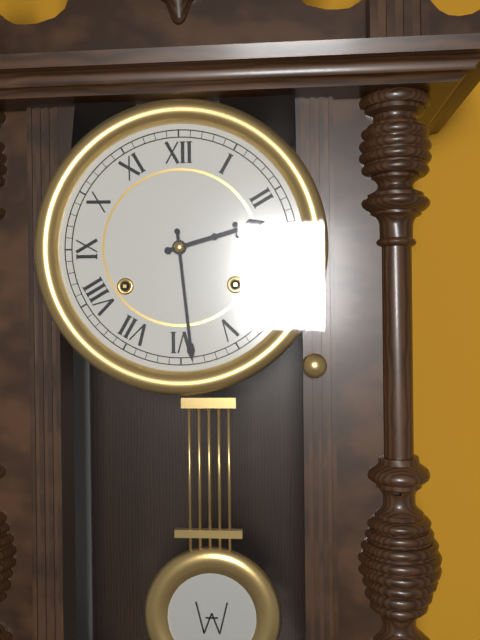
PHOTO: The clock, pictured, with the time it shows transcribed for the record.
2:29
